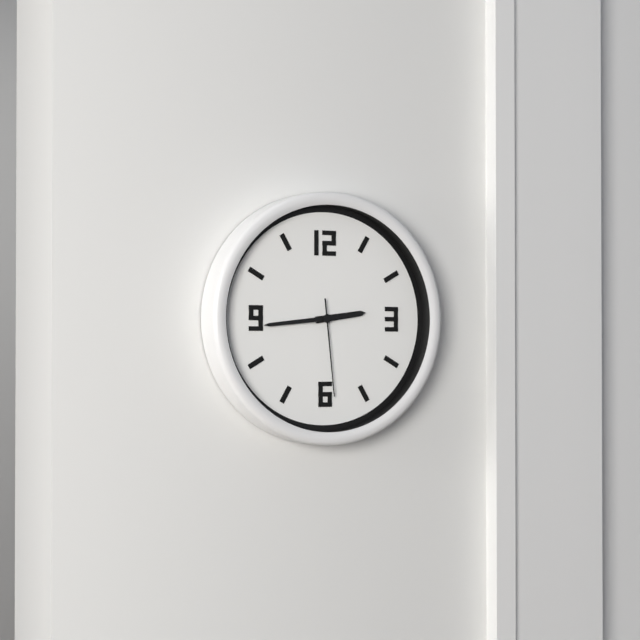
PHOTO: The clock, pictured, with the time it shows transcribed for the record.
2:44:29
